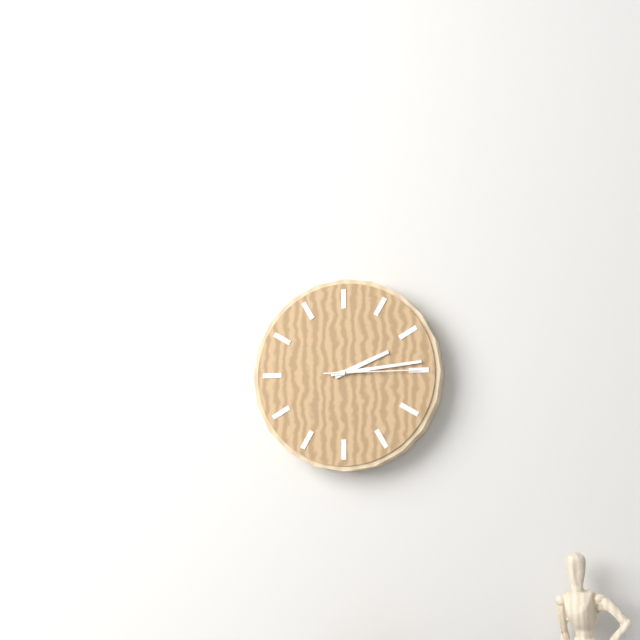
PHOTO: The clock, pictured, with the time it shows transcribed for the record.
2:14:15
